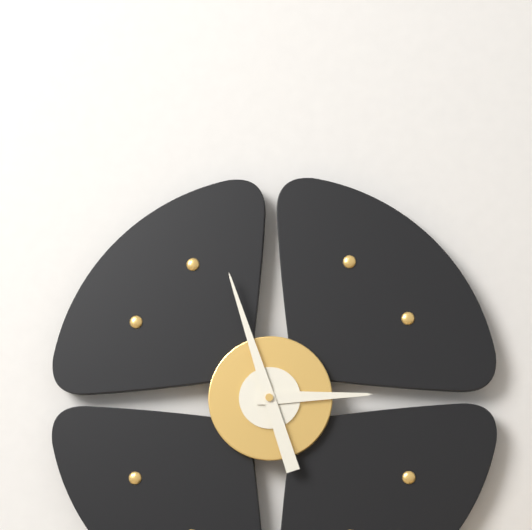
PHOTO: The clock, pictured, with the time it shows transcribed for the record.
2:57
